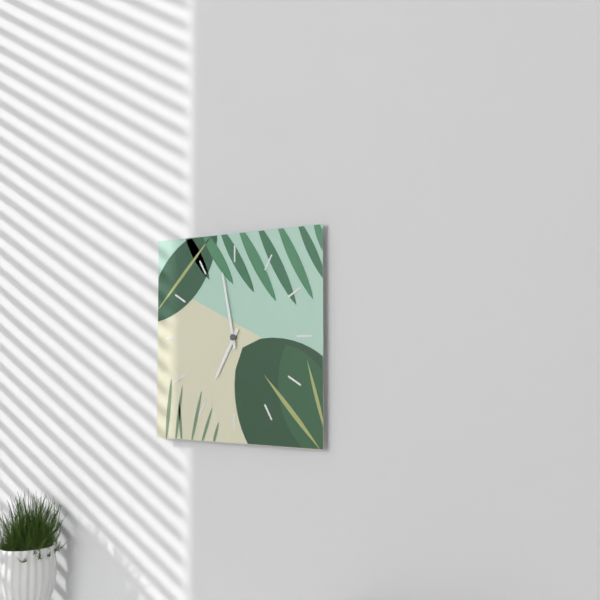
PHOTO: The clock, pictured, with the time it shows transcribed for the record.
6:58
